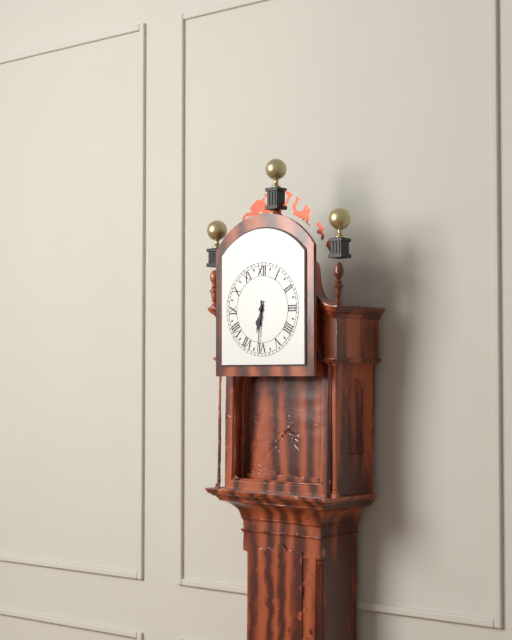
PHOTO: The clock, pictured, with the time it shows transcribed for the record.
6:31
